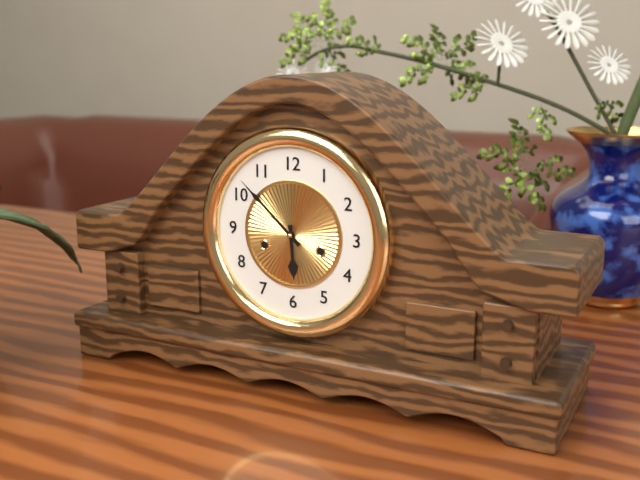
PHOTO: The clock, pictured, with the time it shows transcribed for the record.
5:52
